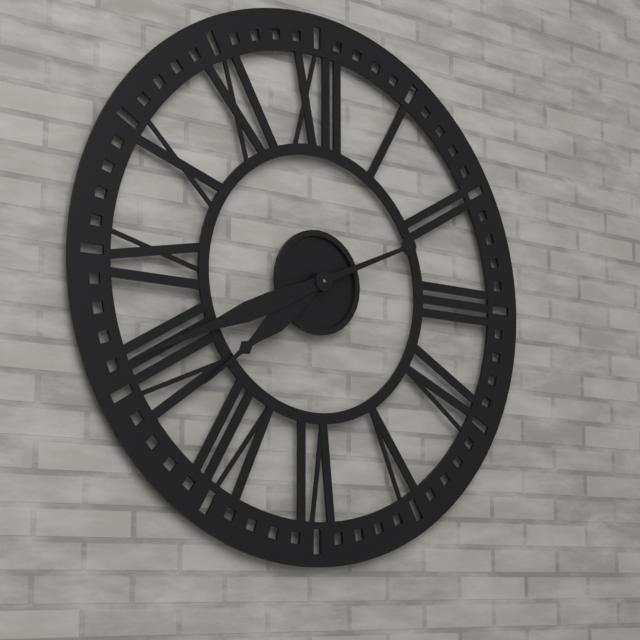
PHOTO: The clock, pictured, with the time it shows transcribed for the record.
7:41
